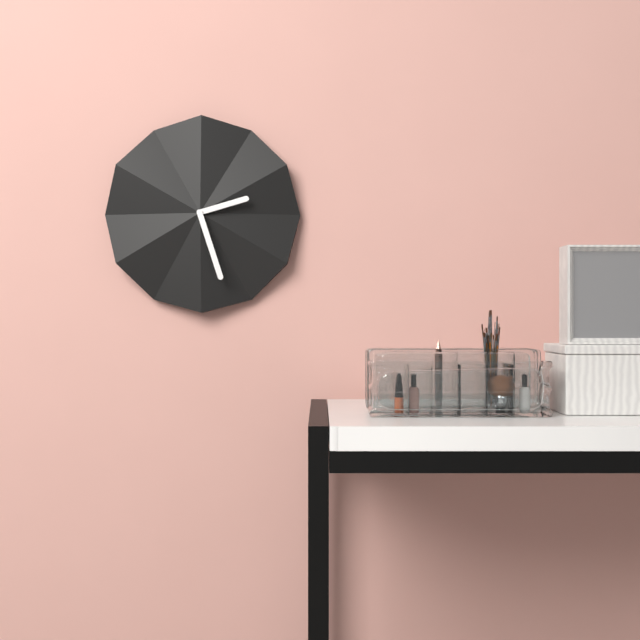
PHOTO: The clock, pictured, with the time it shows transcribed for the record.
2:27
